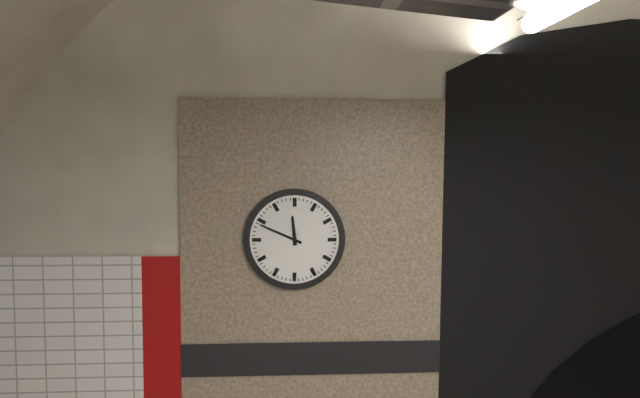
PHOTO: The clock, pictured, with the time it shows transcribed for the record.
11:49
